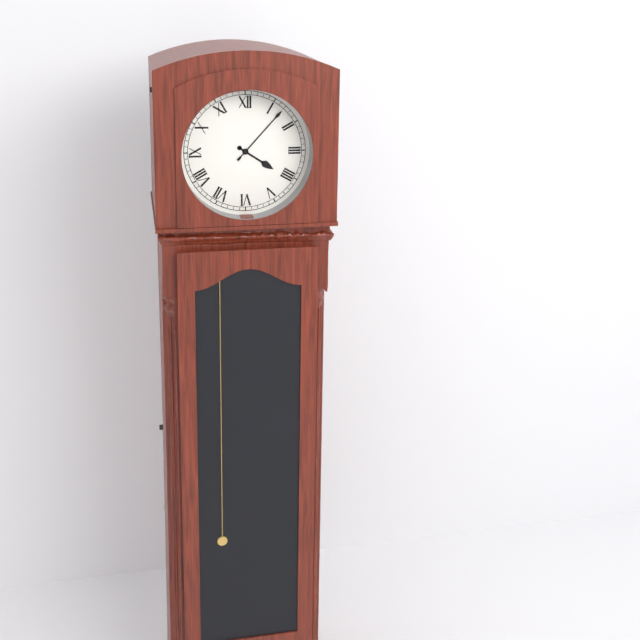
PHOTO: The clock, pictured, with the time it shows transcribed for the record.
4:07
